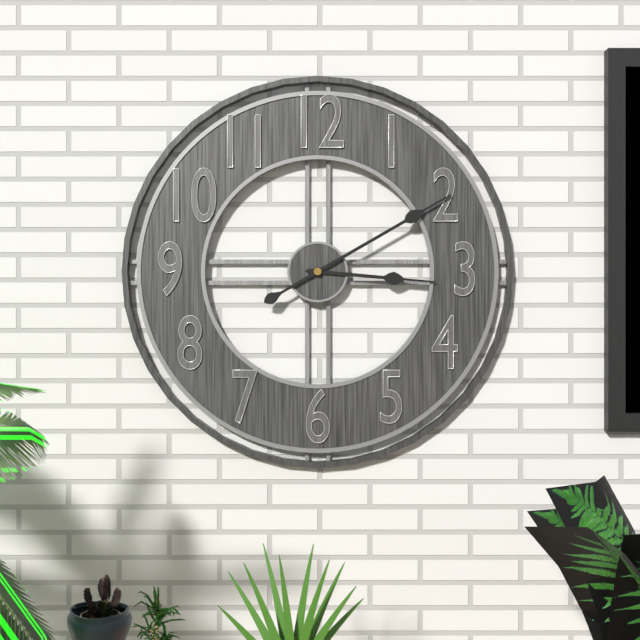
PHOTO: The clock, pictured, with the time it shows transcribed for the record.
3:10
